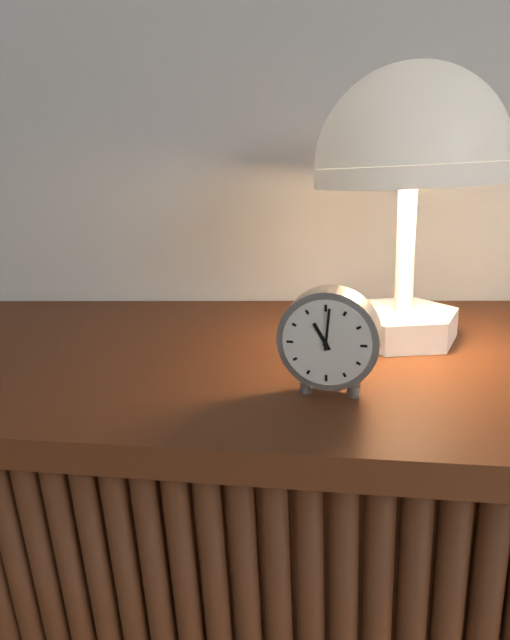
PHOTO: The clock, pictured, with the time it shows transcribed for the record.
11:01
